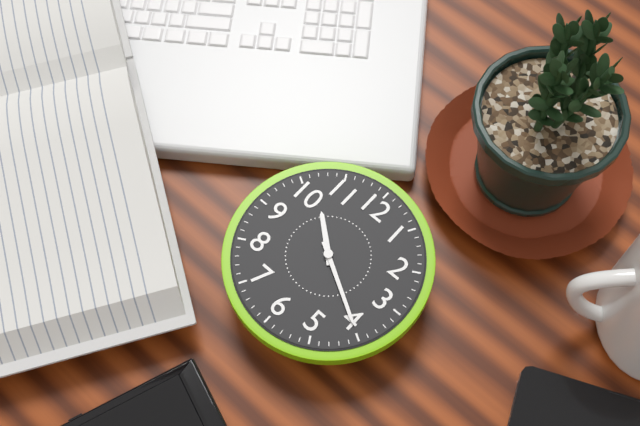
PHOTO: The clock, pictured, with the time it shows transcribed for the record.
10:20
